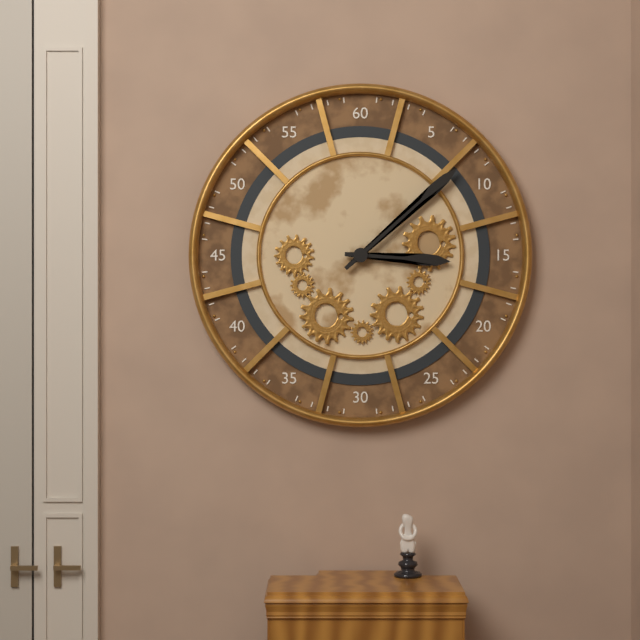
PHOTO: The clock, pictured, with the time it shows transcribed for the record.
3:08
